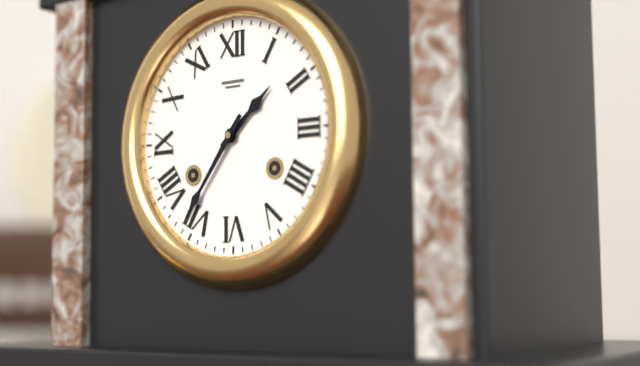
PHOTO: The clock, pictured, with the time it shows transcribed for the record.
1:36
